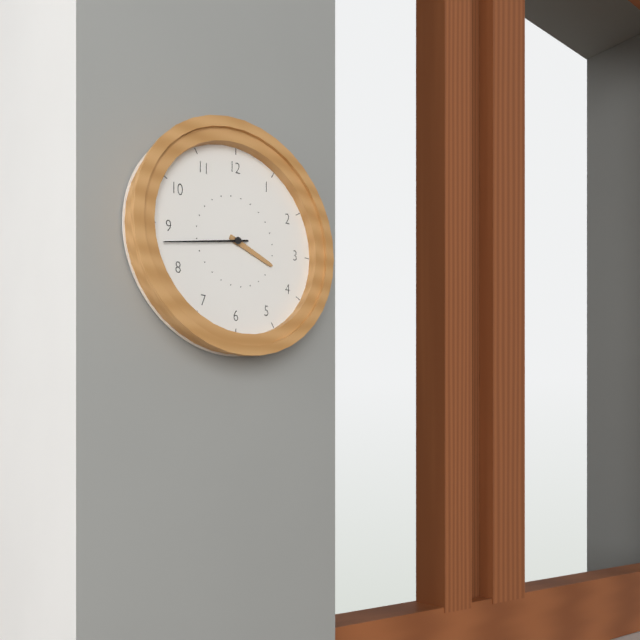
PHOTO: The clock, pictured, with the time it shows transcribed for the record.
3:43
